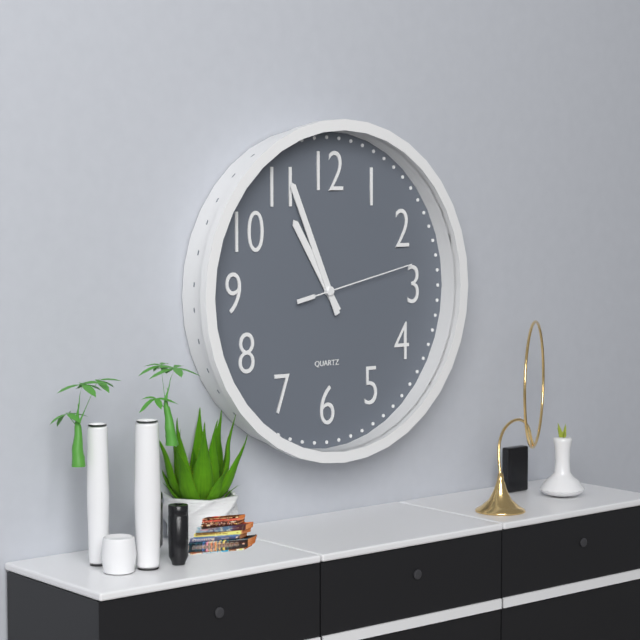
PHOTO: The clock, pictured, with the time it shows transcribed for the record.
10:56:13
